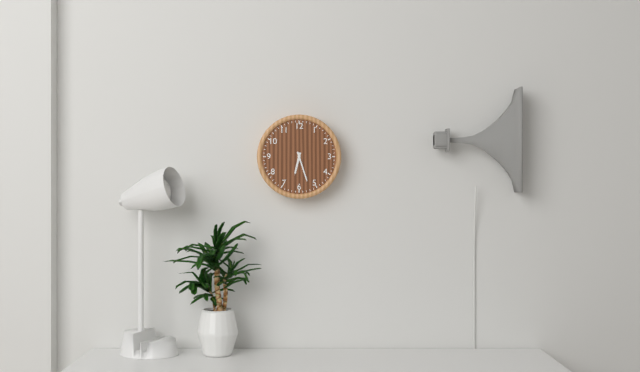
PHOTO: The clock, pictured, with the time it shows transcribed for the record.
6:27
